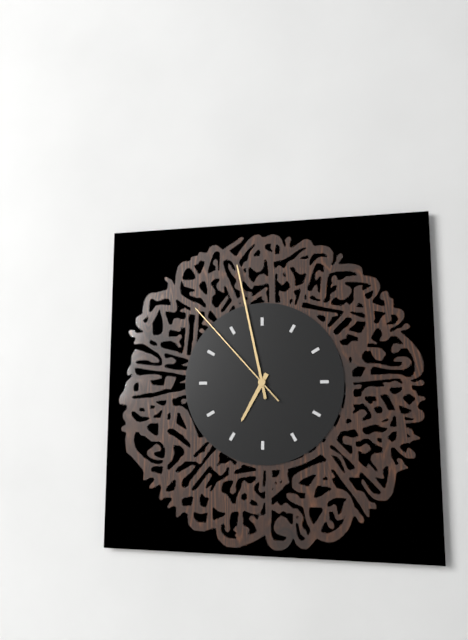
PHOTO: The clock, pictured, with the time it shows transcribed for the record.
6:58:53
